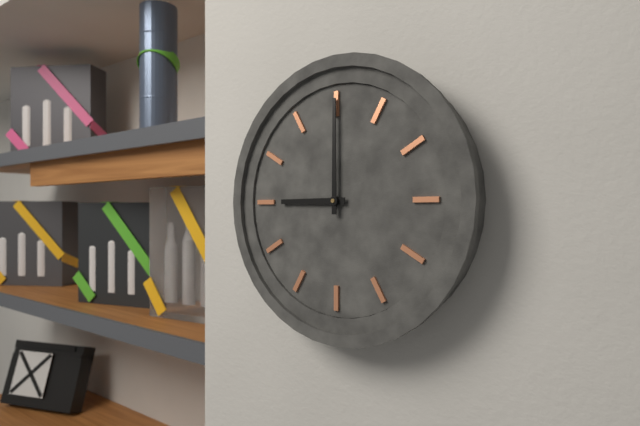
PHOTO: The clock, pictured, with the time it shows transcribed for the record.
9:00
